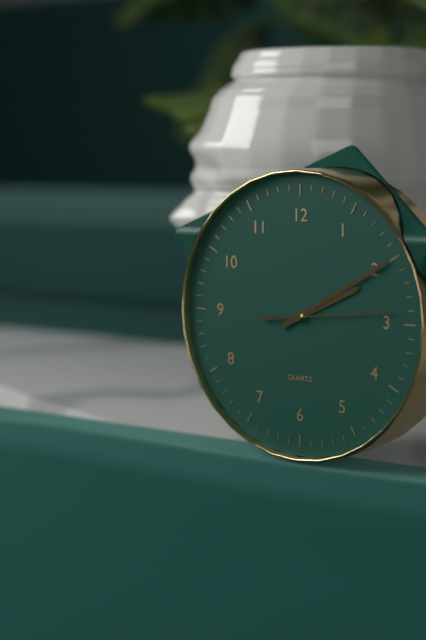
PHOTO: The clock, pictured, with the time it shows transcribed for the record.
2:10:14
